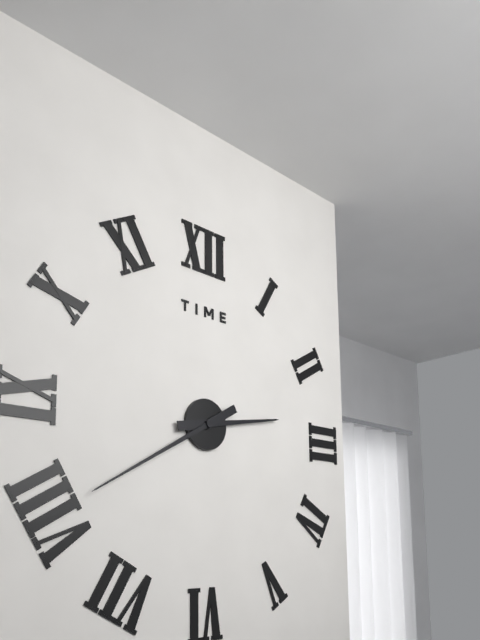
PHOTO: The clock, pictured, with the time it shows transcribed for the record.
2:40
